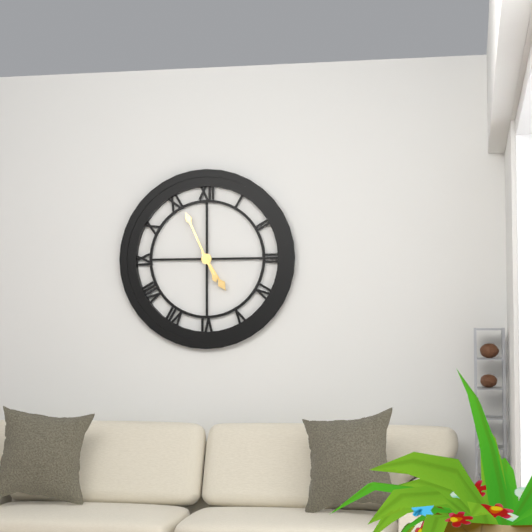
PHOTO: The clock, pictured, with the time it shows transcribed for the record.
4:56
